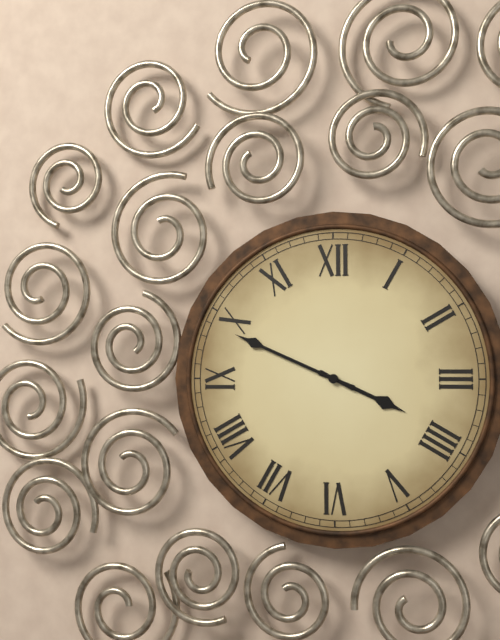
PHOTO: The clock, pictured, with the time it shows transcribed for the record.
3:49
